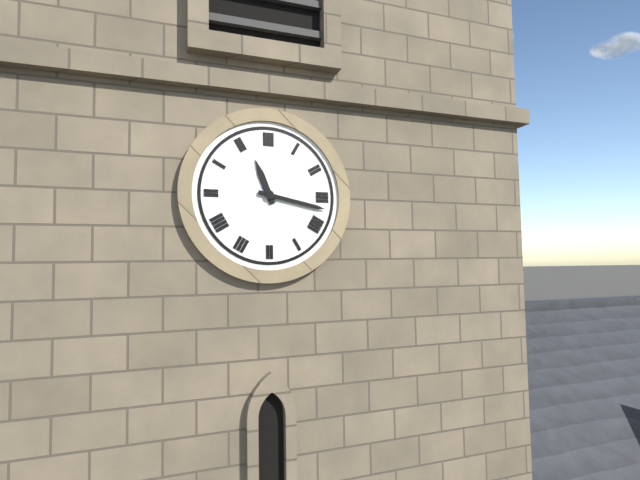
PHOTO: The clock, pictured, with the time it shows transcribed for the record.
11:17
